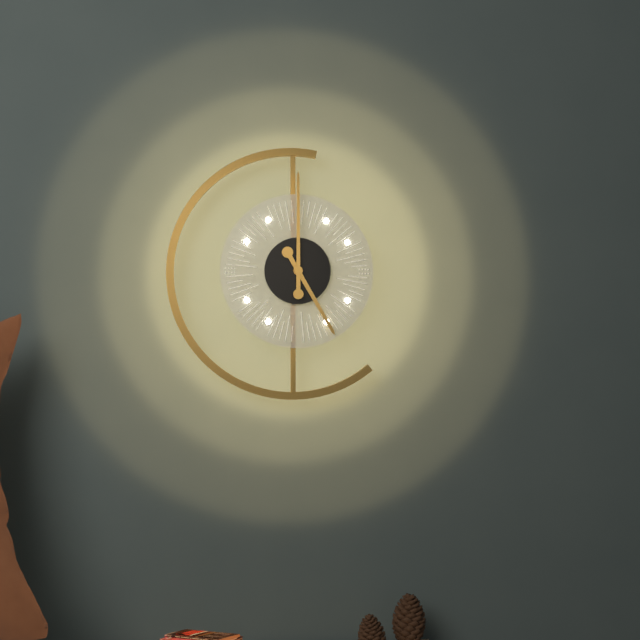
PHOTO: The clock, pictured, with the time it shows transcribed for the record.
5:00
